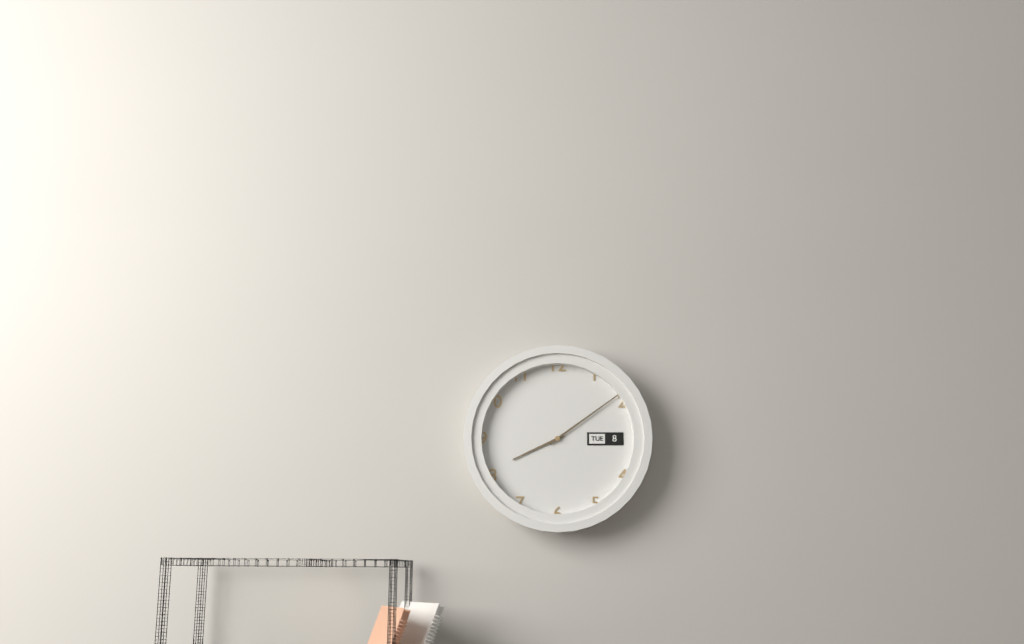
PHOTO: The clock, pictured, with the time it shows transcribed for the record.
8:09
